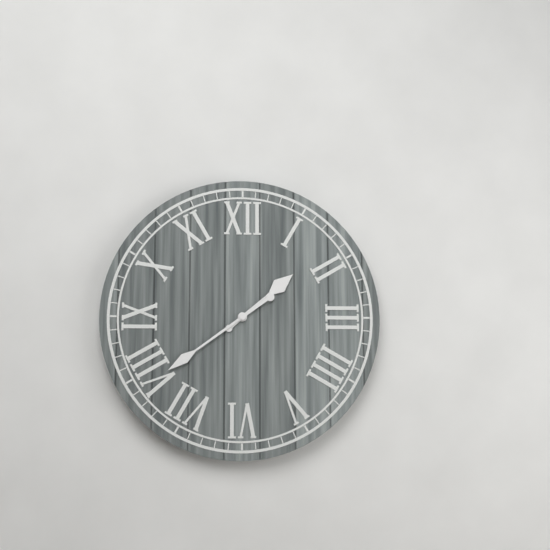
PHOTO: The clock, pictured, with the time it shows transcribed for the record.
1:39
